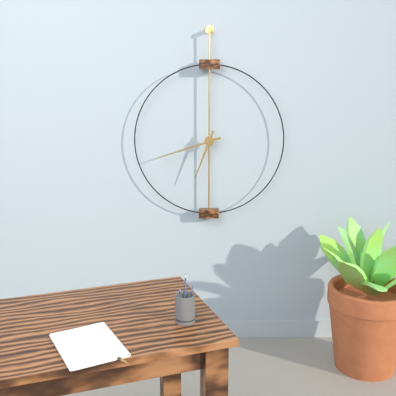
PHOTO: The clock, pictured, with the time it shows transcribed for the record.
6:42
